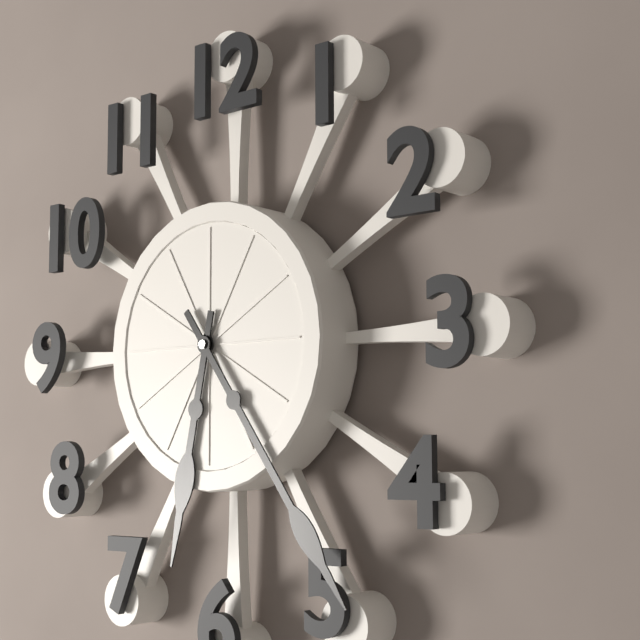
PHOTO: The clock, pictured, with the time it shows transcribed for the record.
6:24
